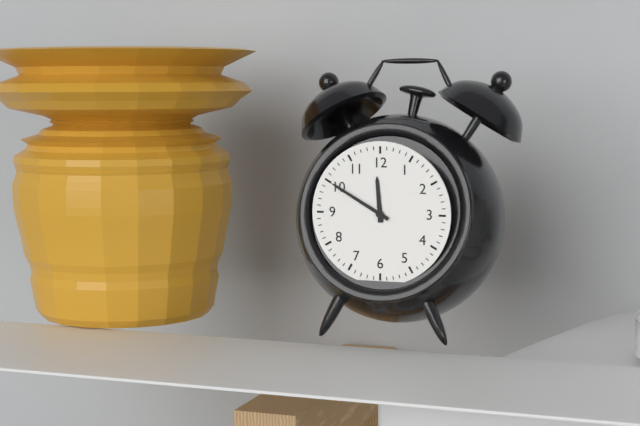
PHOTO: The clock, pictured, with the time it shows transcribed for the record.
11:50
